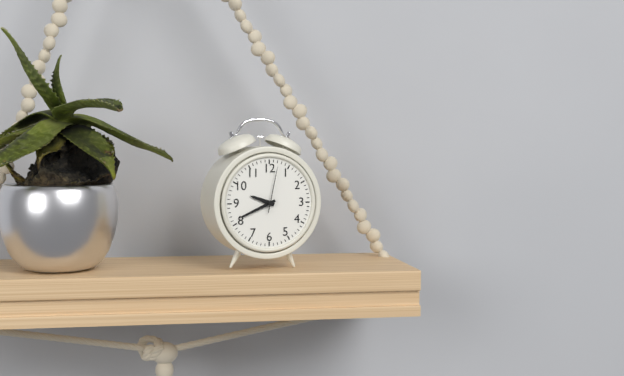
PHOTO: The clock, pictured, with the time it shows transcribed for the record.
9:41
